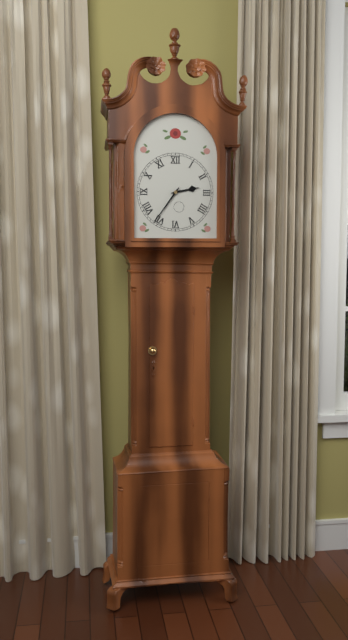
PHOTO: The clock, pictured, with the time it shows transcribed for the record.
2:36
